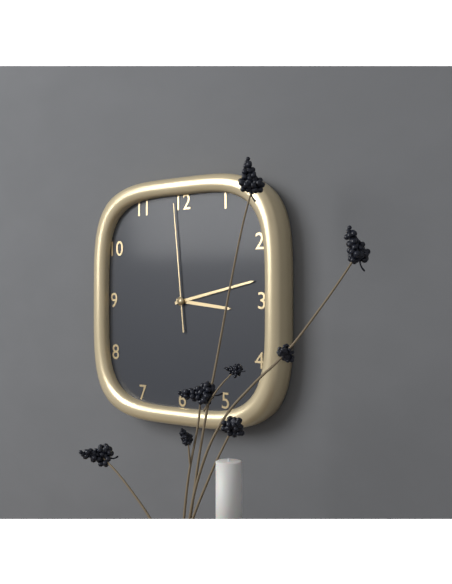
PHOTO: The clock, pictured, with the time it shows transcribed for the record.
3:13:59
